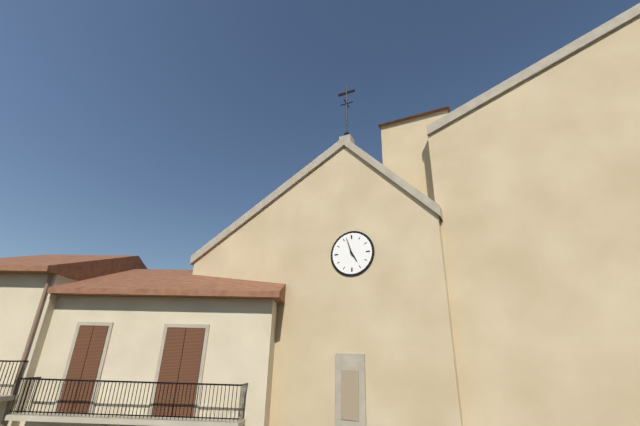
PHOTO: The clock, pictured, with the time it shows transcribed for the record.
4:57
